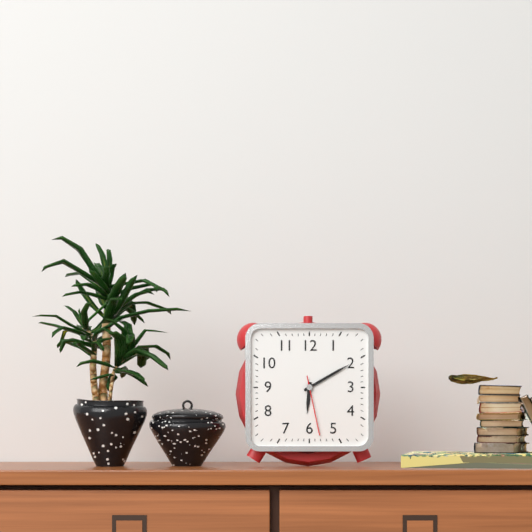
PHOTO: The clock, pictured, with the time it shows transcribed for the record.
6:10:28
